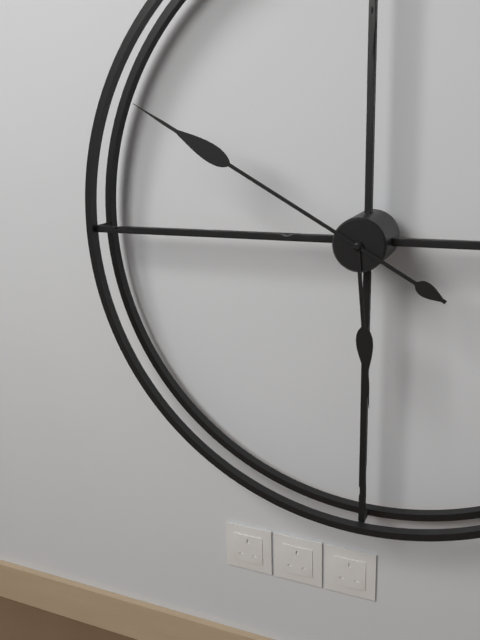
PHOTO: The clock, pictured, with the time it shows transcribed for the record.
5:50
